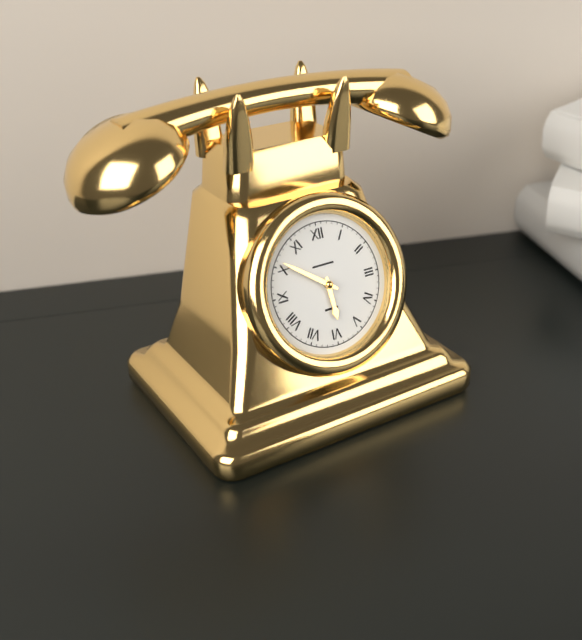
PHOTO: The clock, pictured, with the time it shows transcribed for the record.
5:51
